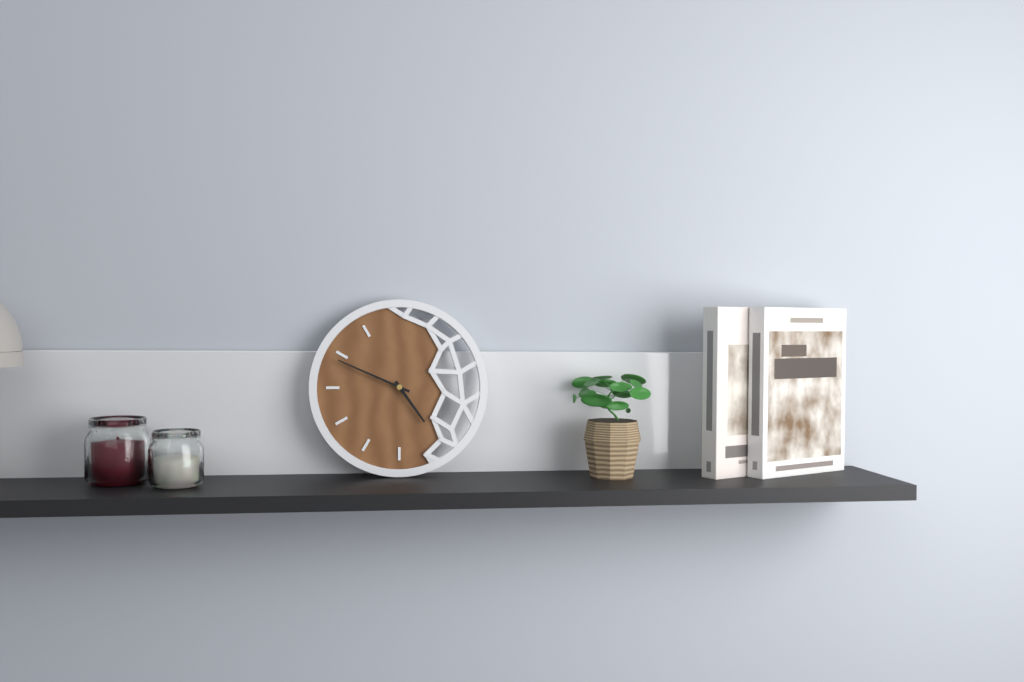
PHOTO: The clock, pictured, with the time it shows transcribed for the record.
4:49
